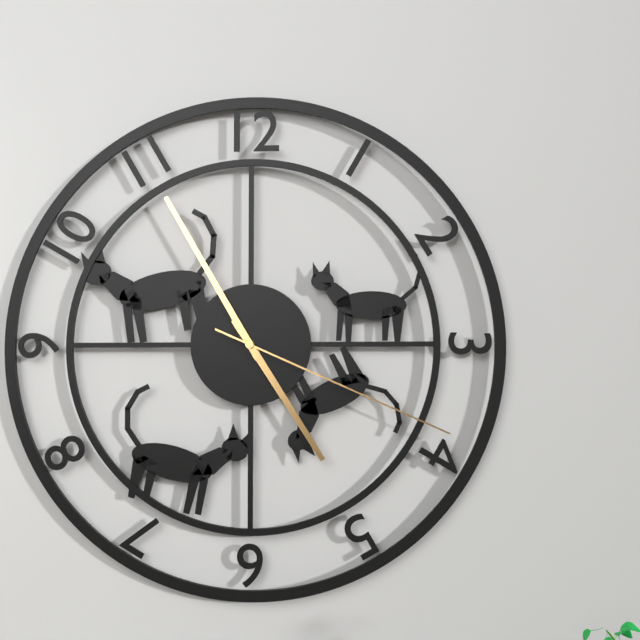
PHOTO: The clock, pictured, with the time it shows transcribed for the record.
4:55:19
